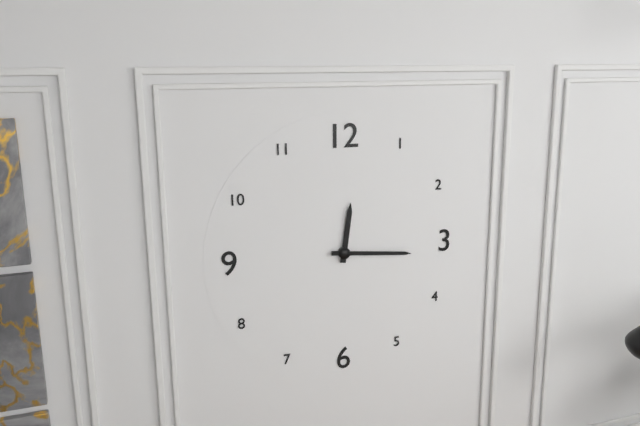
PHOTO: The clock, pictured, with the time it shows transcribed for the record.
12:16
